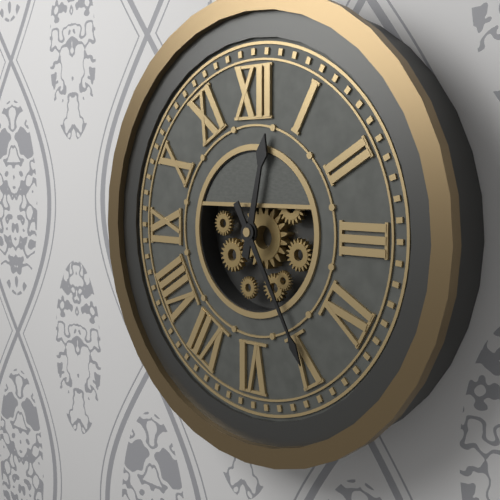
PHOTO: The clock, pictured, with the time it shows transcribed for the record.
12:25
